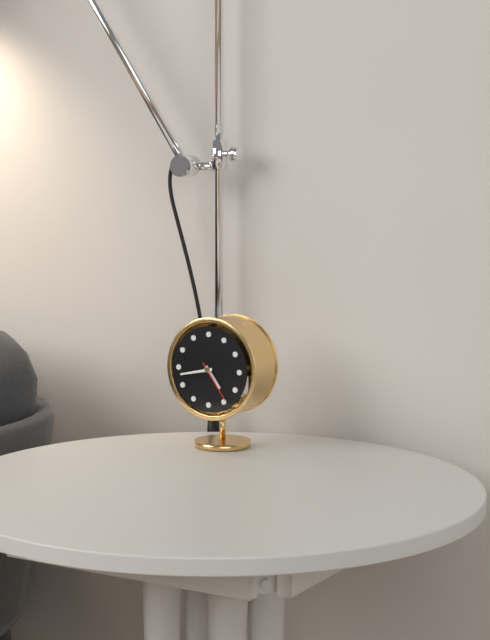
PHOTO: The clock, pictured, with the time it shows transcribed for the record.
4:43
